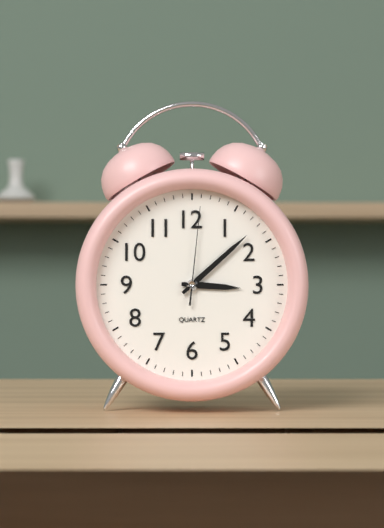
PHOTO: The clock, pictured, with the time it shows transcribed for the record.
3:08:01
